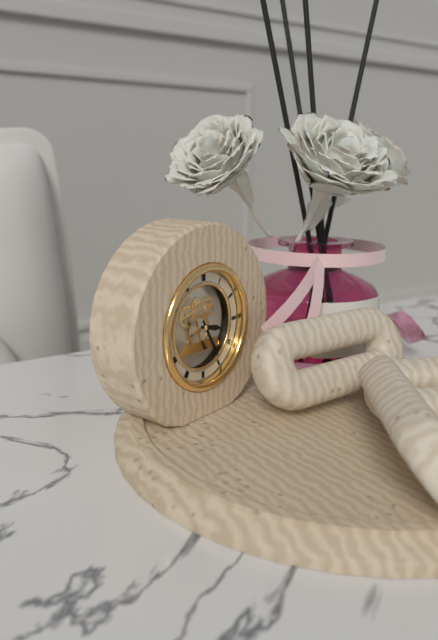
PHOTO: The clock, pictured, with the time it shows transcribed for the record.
3:25
